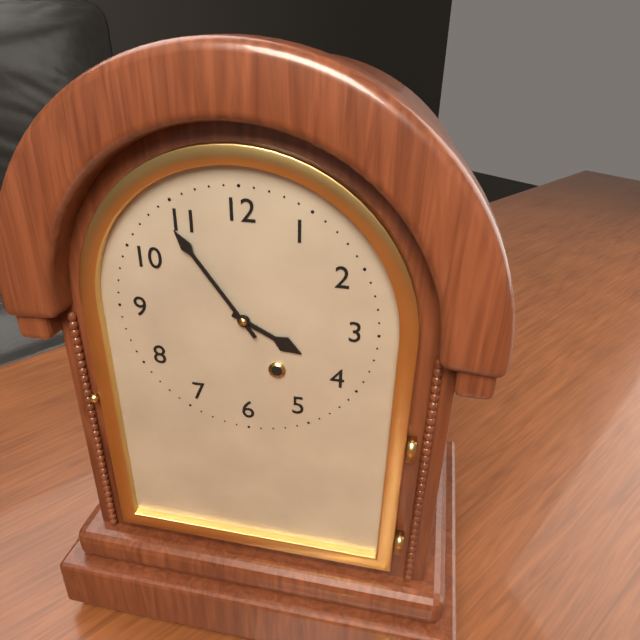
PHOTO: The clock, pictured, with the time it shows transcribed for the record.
3:54
